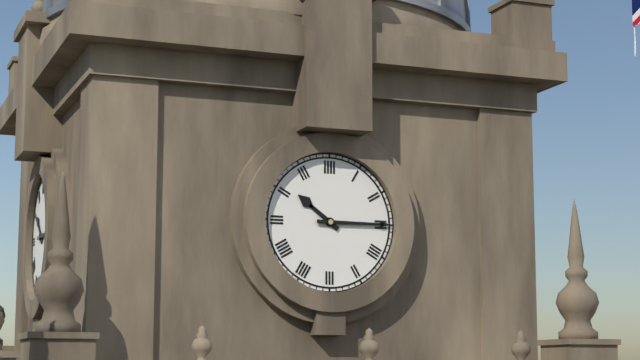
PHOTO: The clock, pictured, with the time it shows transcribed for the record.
10:15
